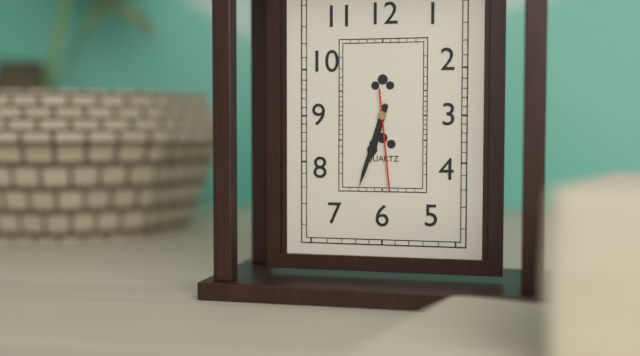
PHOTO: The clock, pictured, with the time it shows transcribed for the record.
6:33:29
